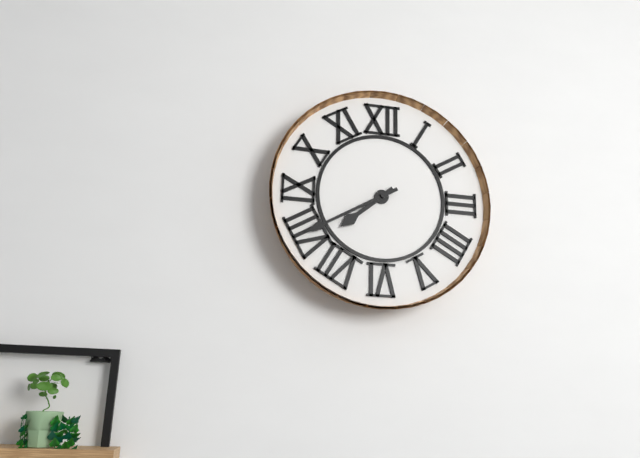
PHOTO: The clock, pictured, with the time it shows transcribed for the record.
7:40
